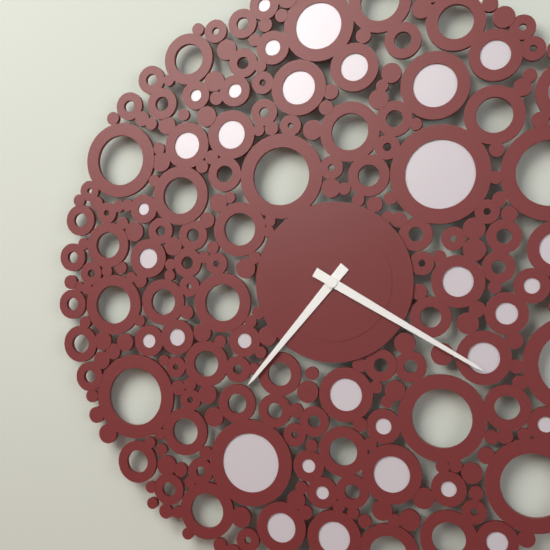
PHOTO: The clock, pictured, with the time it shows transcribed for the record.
7:20
